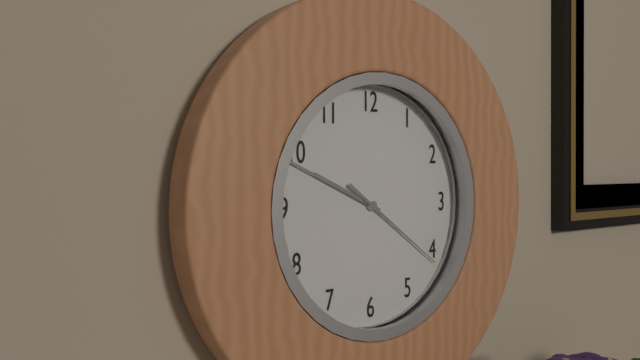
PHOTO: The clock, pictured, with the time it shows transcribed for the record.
9:49:21
